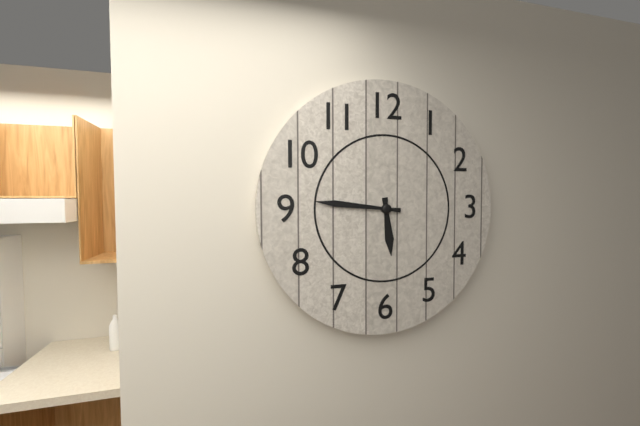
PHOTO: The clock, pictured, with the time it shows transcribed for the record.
5:46
